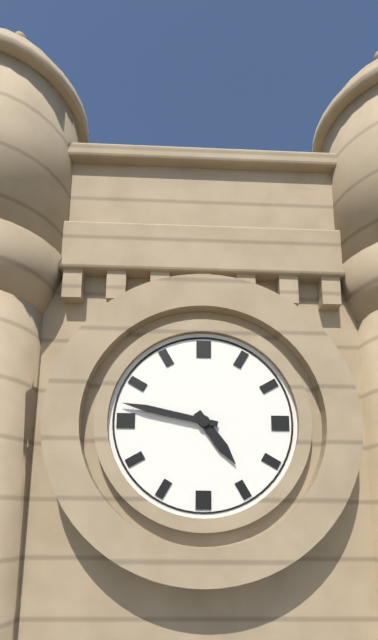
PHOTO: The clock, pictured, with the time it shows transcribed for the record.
4:47
